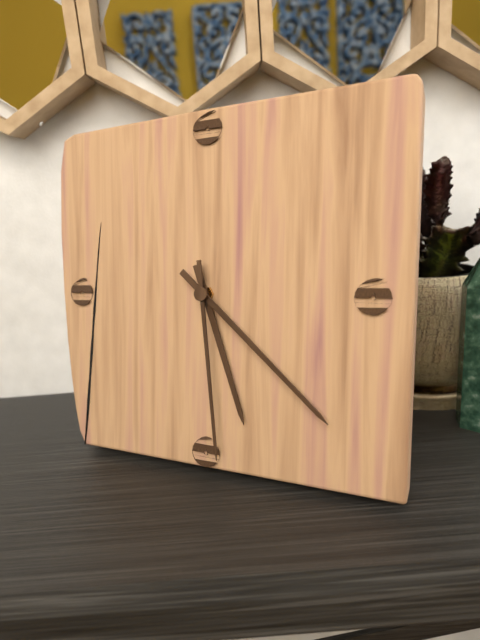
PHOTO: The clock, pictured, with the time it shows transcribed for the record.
5:22:29
